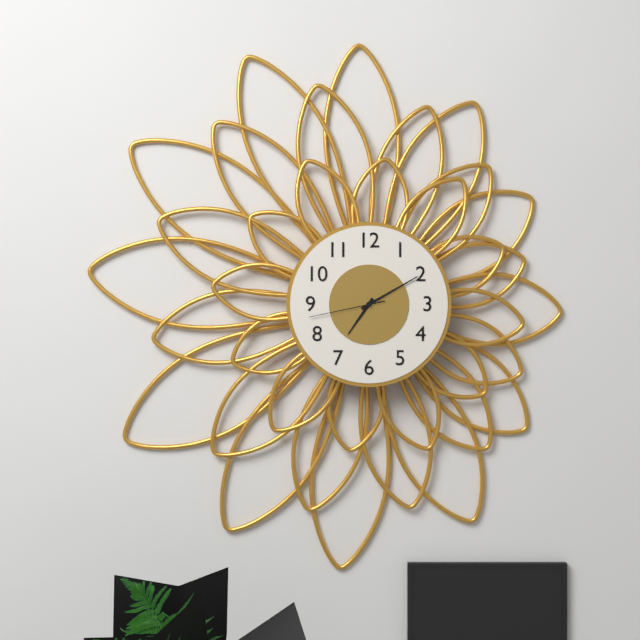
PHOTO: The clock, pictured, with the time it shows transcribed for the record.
7:10:43
